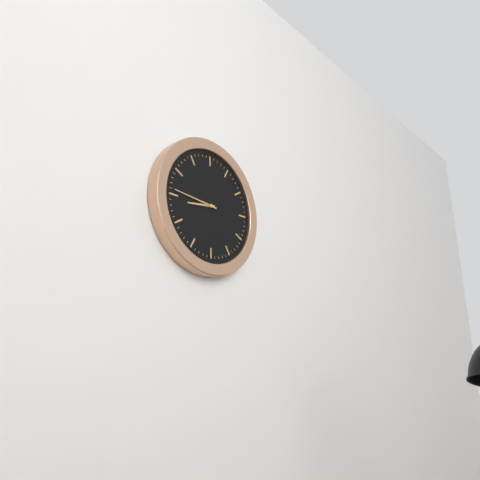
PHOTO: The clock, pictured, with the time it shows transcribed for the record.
8:46
